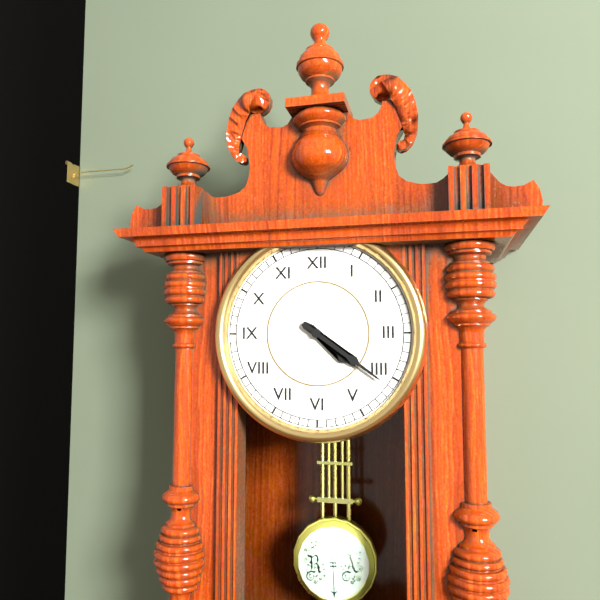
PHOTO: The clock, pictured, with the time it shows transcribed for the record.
4:21
